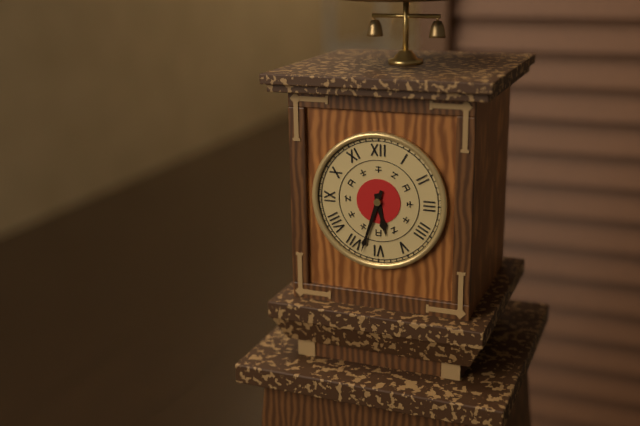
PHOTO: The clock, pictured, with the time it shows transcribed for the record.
5:33
